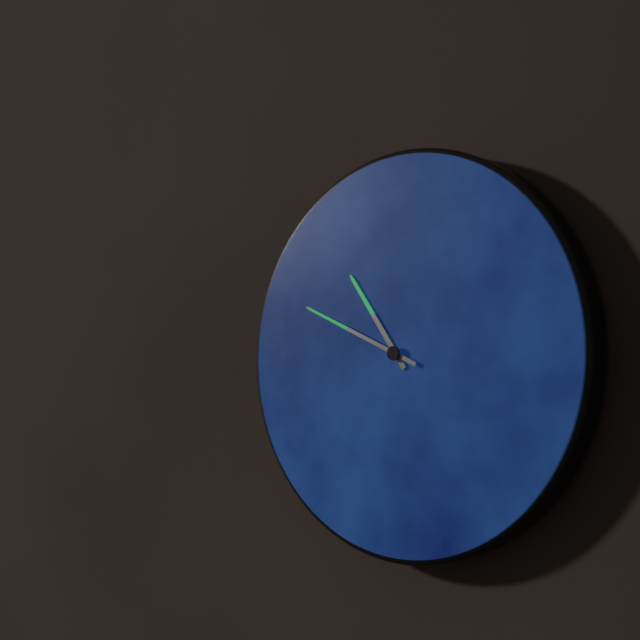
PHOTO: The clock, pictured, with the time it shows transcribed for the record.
10:49
